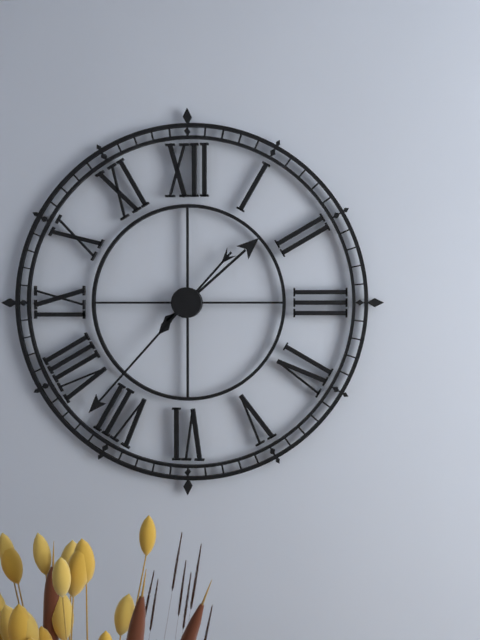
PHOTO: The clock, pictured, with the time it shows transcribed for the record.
1:37
